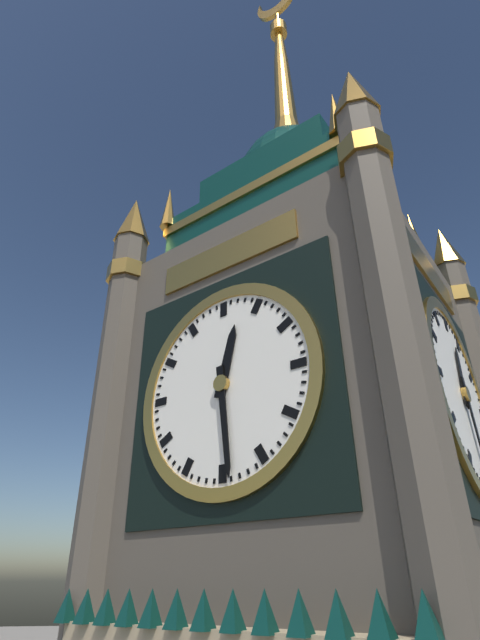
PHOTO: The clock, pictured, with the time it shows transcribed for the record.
12:29
